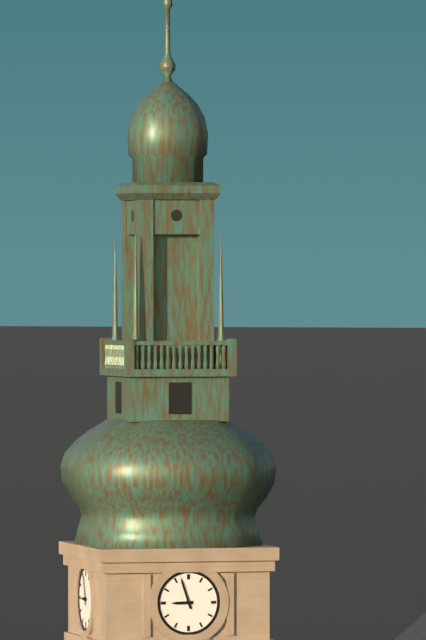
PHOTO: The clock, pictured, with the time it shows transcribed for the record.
8:57
